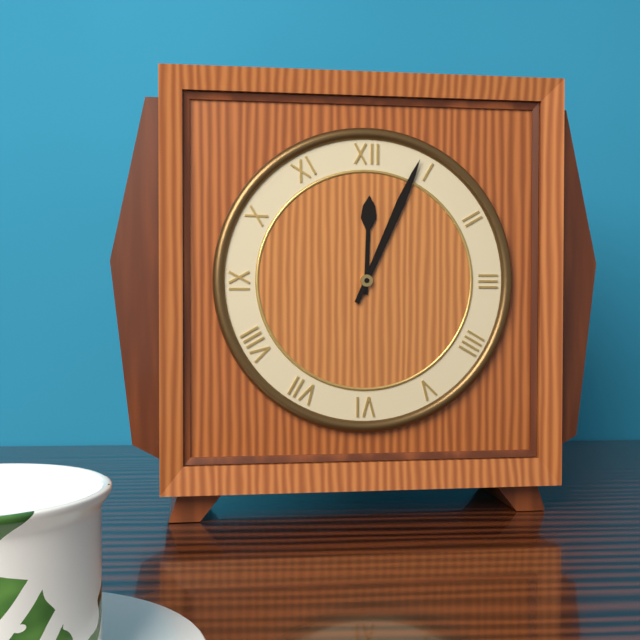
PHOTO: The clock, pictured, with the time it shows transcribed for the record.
12:04
